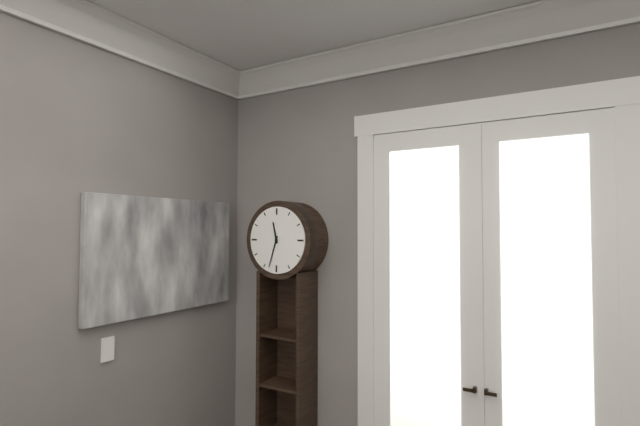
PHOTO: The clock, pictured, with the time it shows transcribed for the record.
11:33
